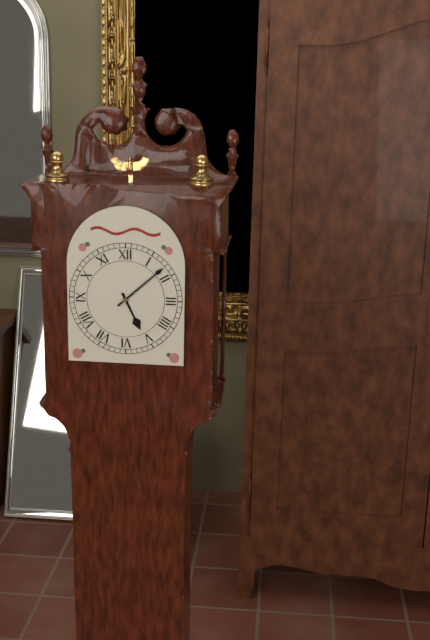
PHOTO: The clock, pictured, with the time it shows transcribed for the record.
5:08
